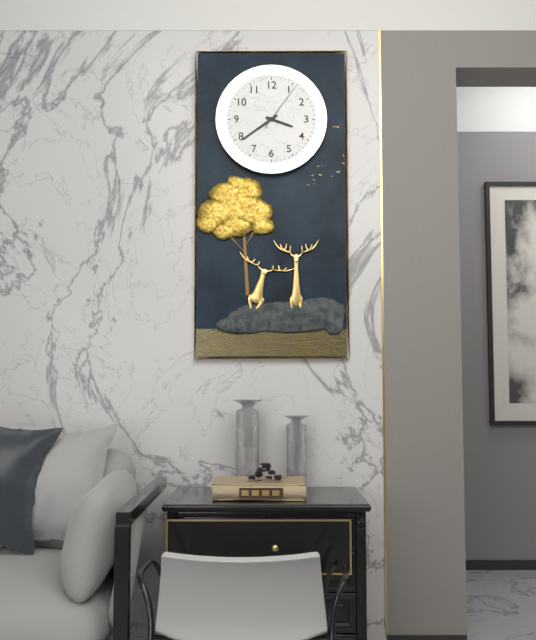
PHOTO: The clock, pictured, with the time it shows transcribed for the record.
3:39
